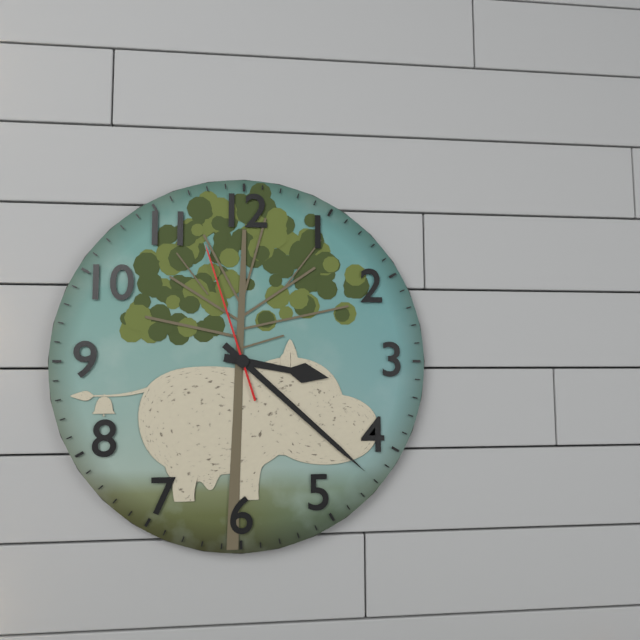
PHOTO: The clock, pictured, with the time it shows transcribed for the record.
3:22:57
